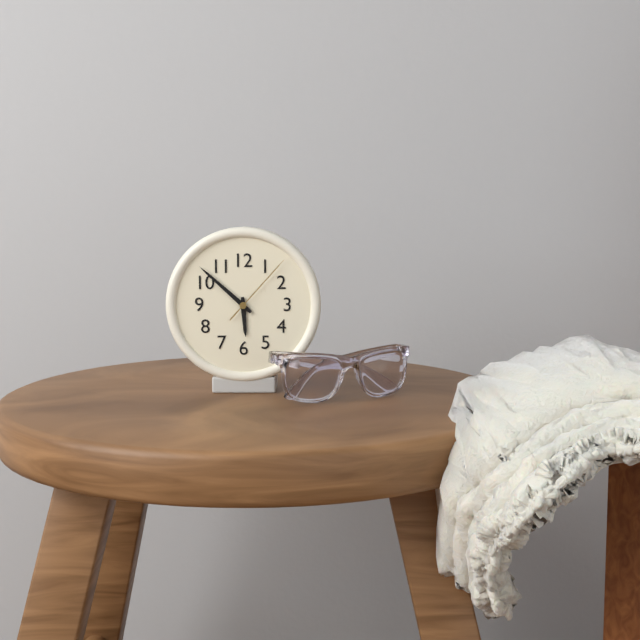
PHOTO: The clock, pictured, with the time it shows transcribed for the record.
5:52:07
